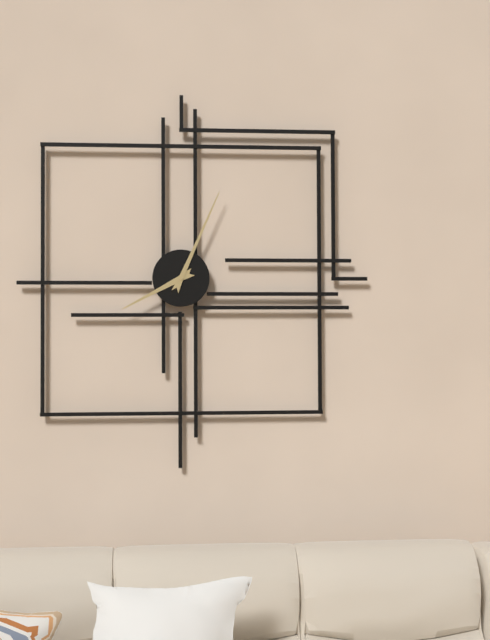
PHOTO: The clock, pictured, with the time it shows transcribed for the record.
8:04
